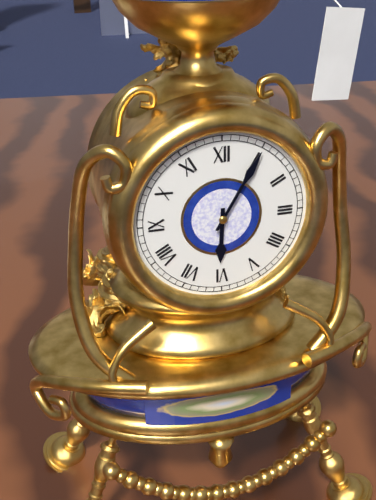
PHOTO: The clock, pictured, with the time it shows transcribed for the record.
6:05
